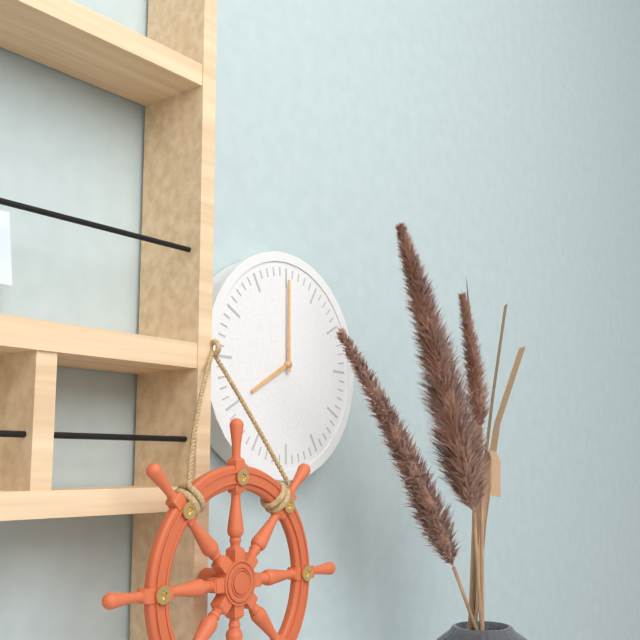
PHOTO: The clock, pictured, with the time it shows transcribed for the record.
8:00
